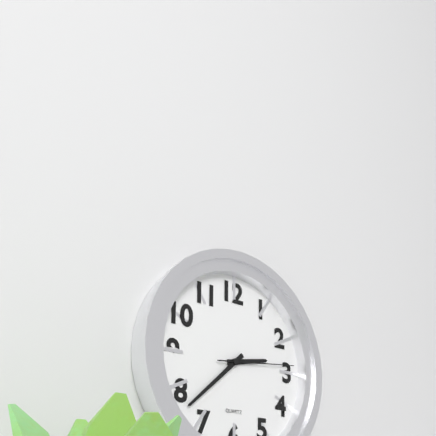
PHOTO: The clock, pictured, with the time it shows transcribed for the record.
2:38:14
